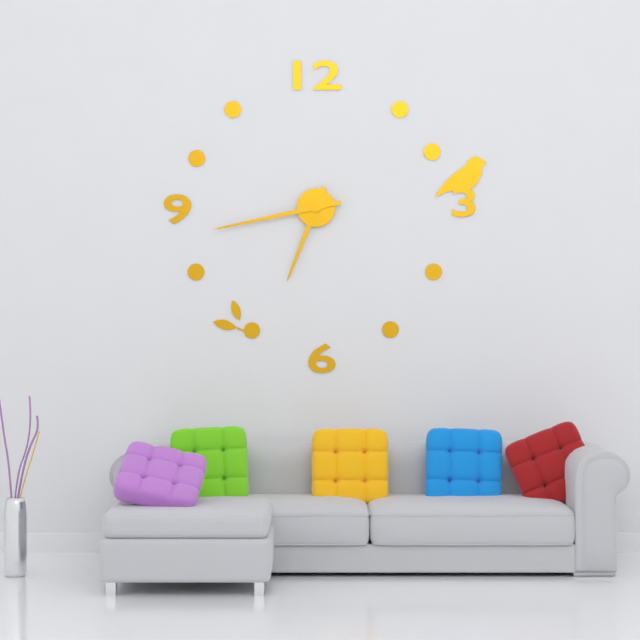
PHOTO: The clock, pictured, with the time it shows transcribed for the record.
6:43
